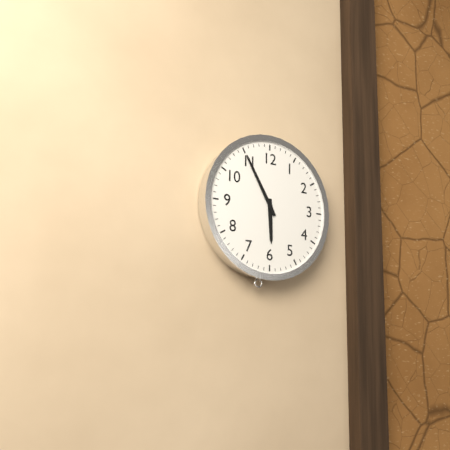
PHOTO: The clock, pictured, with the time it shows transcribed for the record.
5:55
